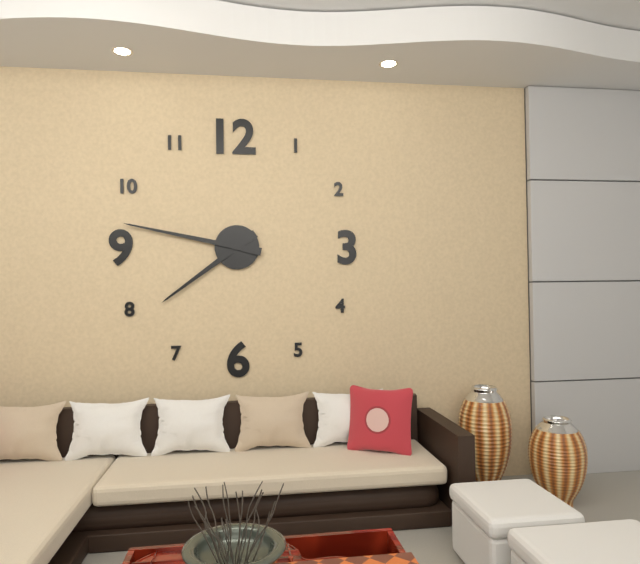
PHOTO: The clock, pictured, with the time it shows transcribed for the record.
7:47
